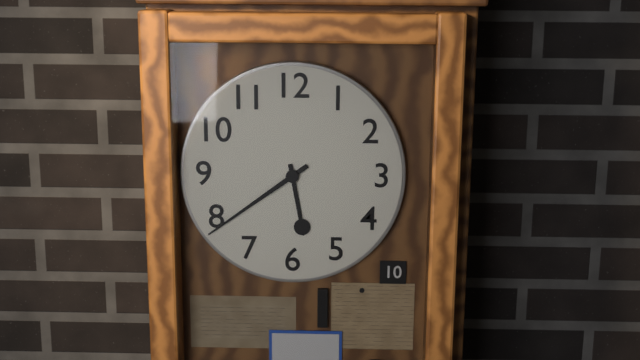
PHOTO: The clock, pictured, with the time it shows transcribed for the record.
5:39
